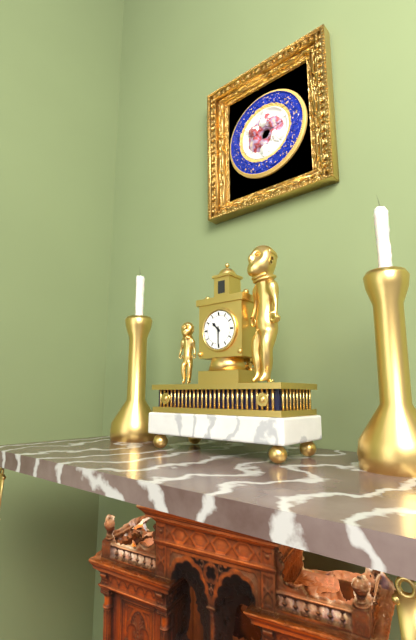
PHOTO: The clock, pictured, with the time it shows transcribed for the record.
10:30
